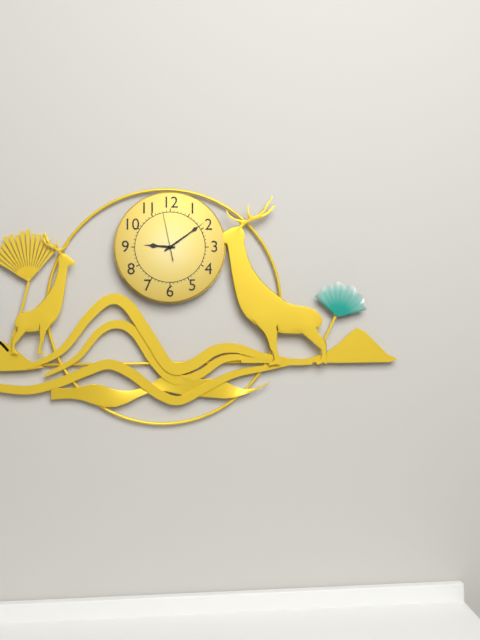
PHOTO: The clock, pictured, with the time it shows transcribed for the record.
9:09
